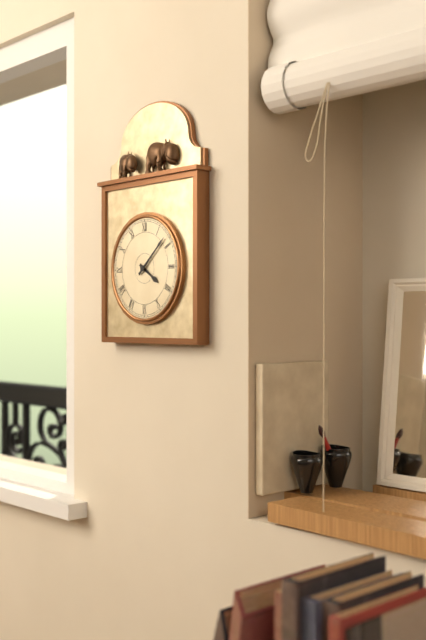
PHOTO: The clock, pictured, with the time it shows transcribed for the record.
4:08
